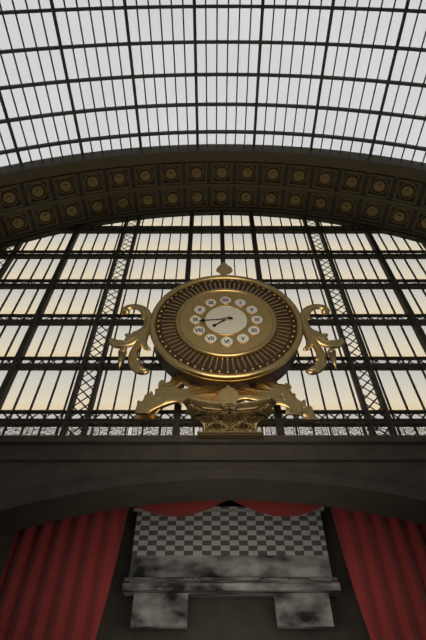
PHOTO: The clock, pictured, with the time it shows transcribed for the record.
7:44
